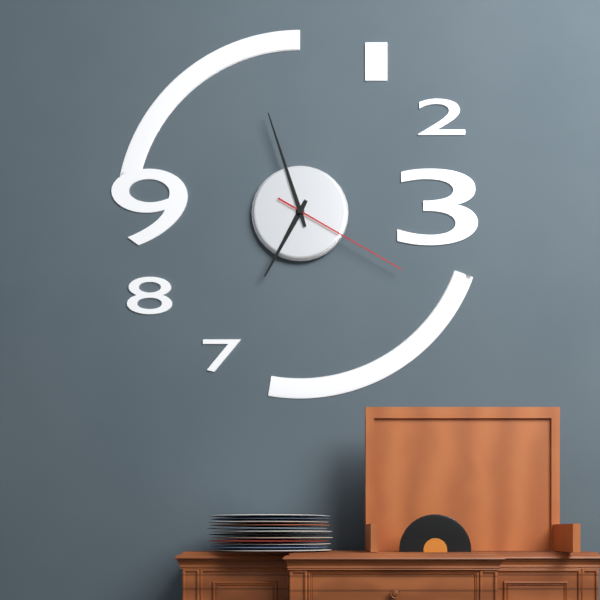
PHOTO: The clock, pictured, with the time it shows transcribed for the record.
6:57:20
